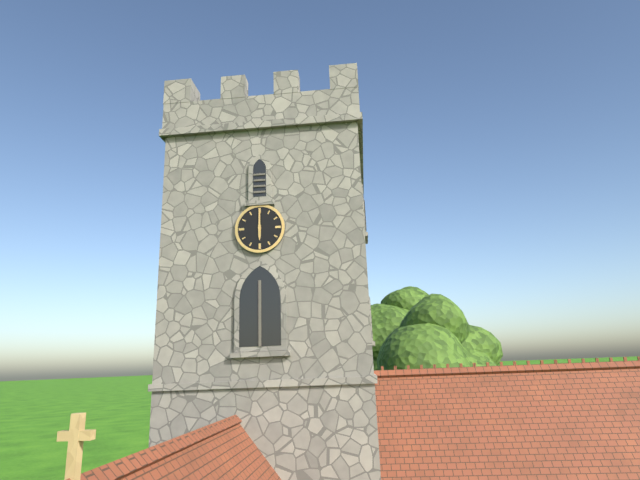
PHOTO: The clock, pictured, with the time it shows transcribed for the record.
6:00
